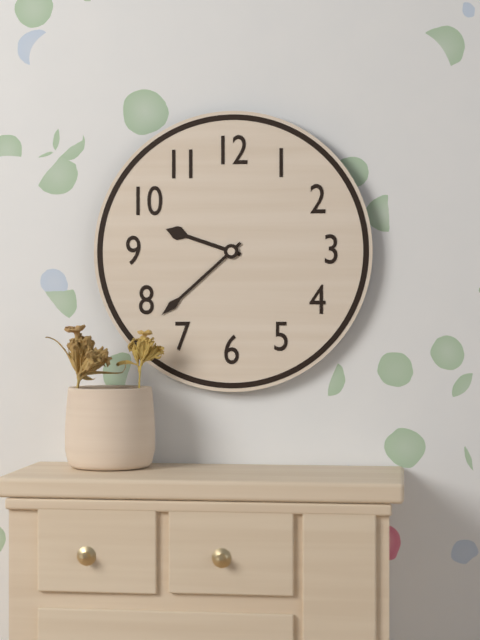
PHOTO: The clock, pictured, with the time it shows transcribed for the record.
9:38
